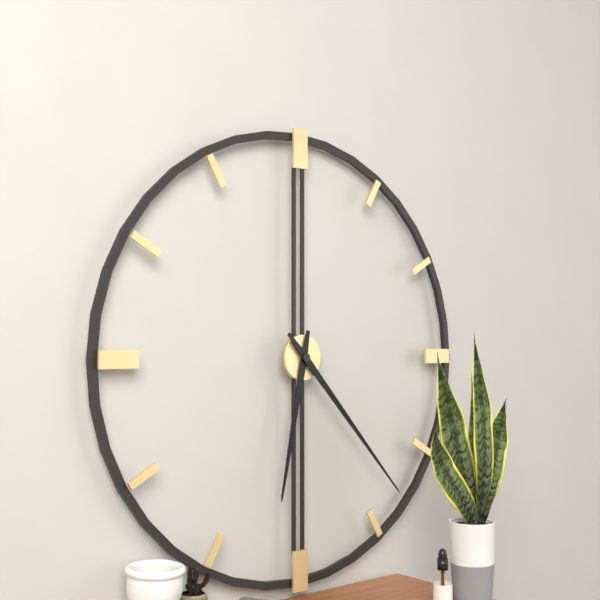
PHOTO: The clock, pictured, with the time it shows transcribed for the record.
6:23
